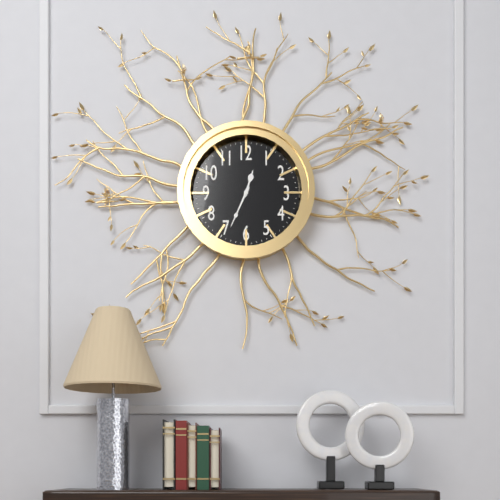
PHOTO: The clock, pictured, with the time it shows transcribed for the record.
12:34
